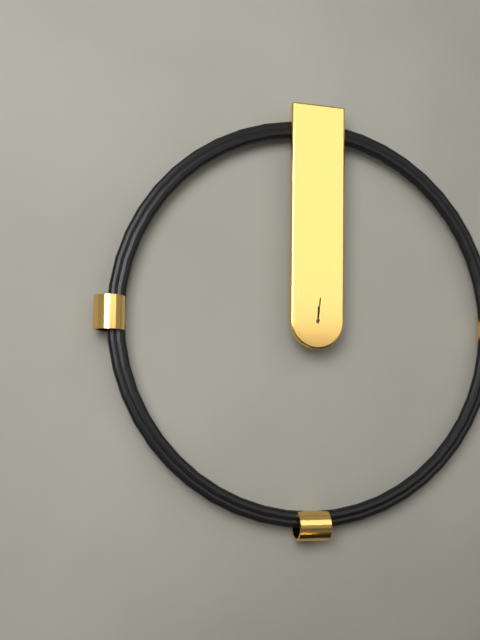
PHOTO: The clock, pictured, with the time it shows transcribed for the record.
12:01
